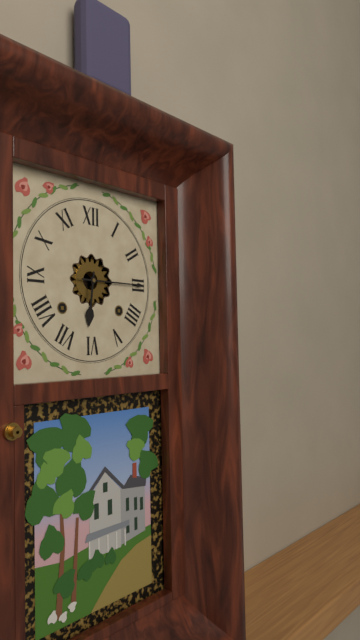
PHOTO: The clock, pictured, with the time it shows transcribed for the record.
6:15
